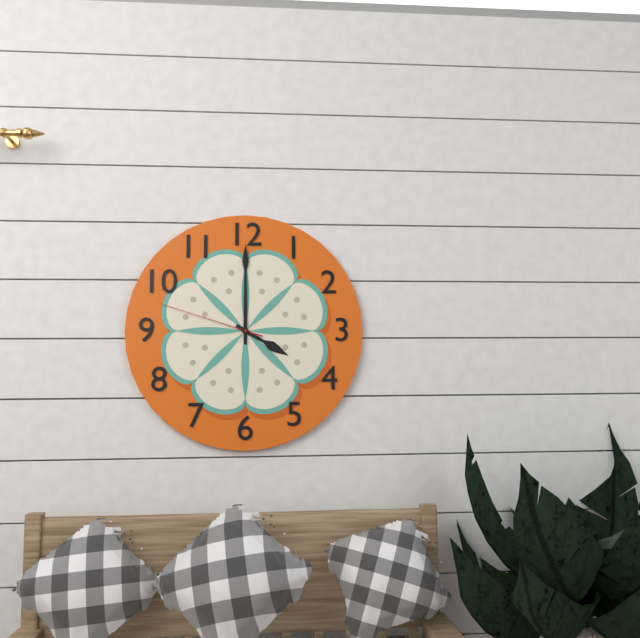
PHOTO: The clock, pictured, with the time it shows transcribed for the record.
4:00:48
